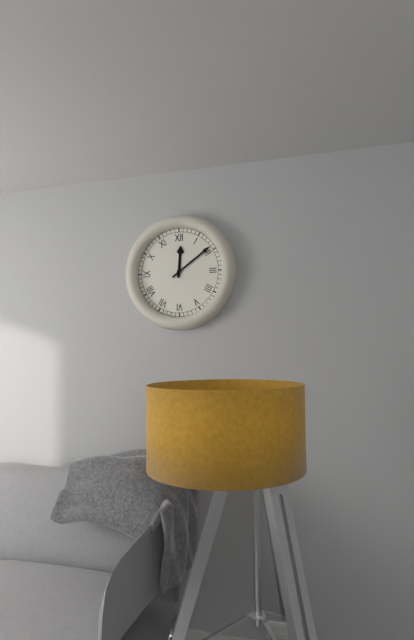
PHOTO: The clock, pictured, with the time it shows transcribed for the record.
12:09
